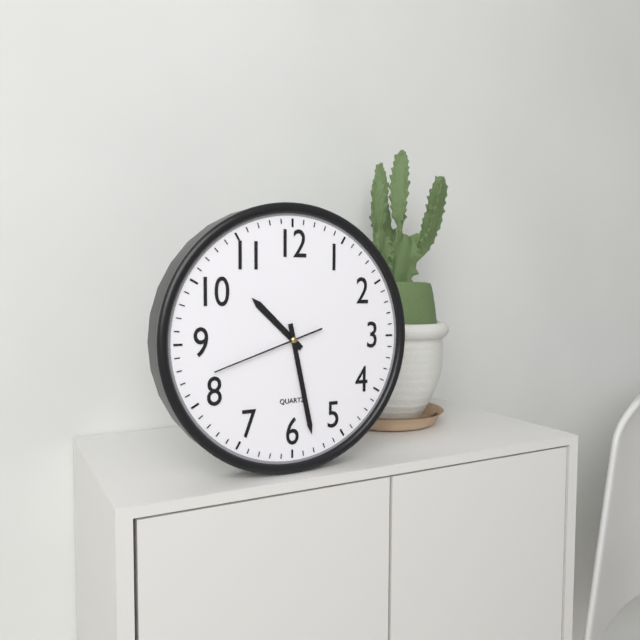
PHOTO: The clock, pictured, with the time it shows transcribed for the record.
10:28:42
